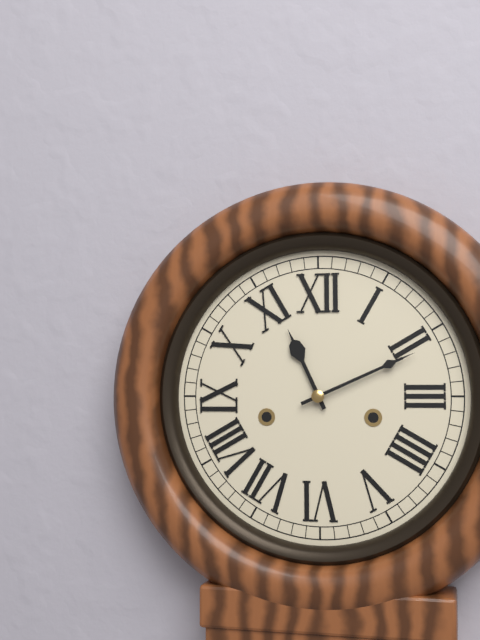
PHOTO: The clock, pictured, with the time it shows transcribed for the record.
11:11
